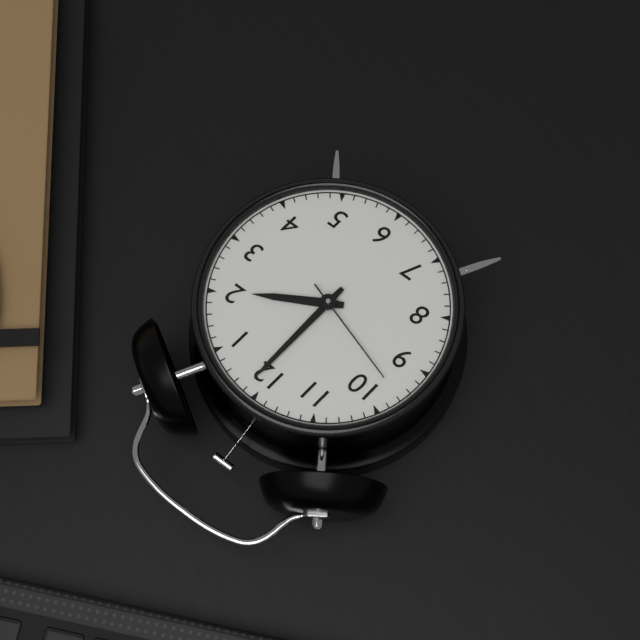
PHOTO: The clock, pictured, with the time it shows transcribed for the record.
2:01:48
